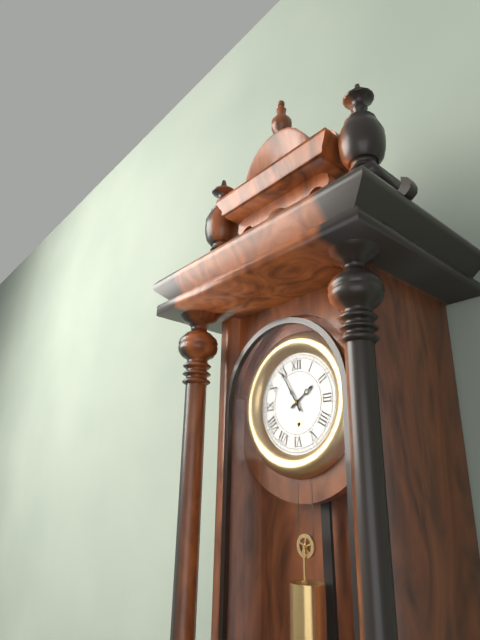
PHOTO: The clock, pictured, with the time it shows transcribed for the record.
1:55
